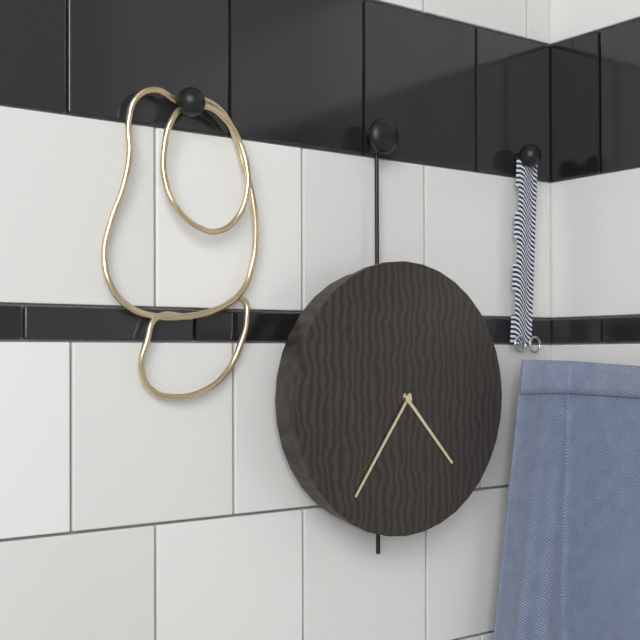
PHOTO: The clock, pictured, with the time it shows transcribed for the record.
4:36
